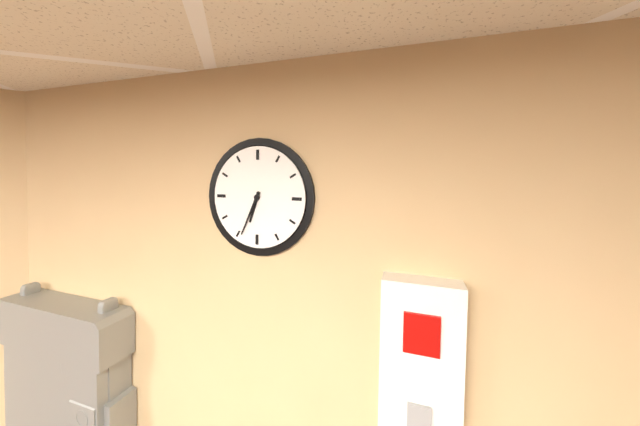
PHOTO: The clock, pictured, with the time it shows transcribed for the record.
6:34
